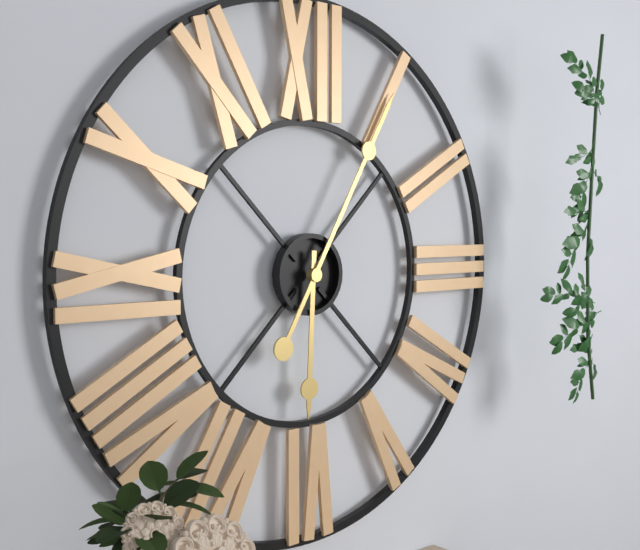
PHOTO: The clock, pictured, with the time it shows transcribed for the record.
6:05
